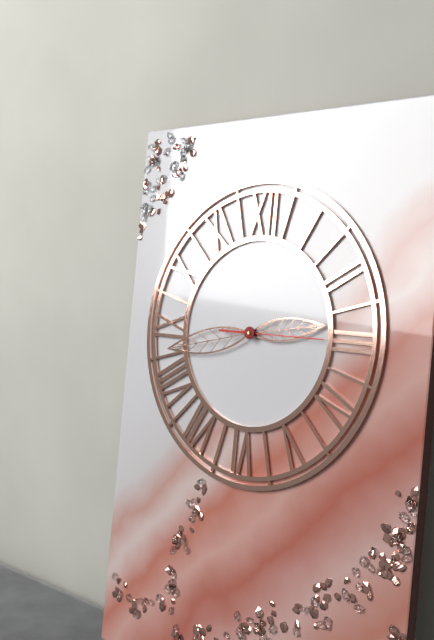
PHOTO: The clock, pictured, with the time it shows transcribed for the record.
2:43:15
